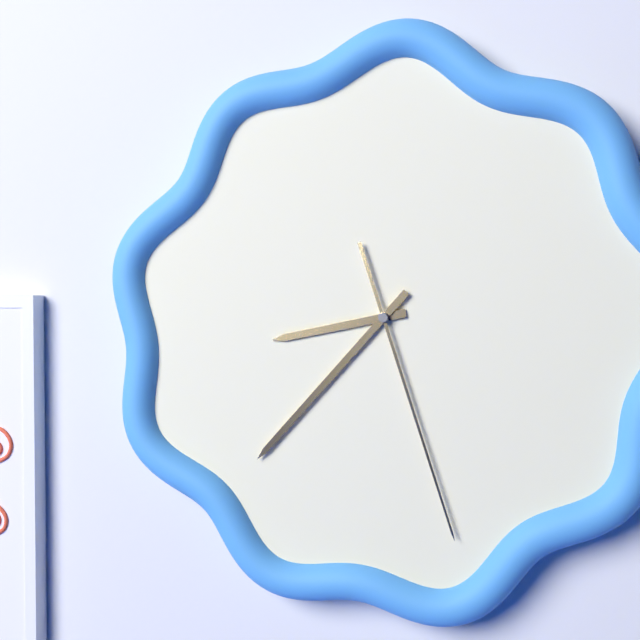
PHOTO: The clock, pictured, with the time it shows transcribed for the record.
8:37:27
